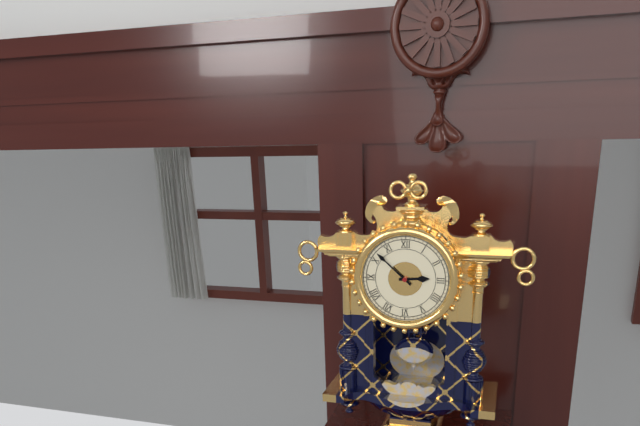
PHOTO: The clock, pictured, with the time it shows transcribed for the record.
2:52
